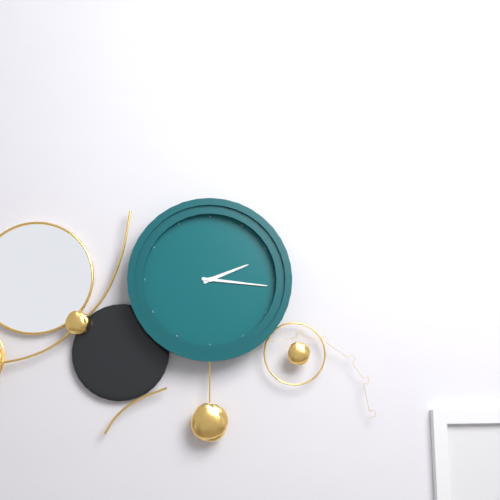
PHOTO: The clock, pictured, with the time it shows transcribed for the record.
2:16
